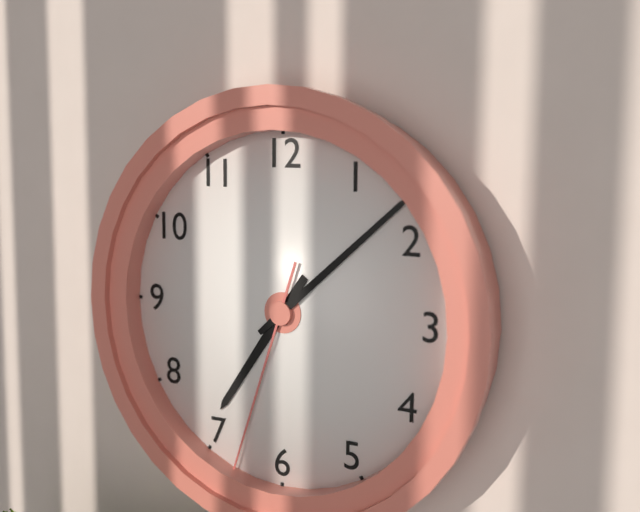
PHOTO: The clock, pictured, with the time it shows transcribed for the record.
7:08:33
